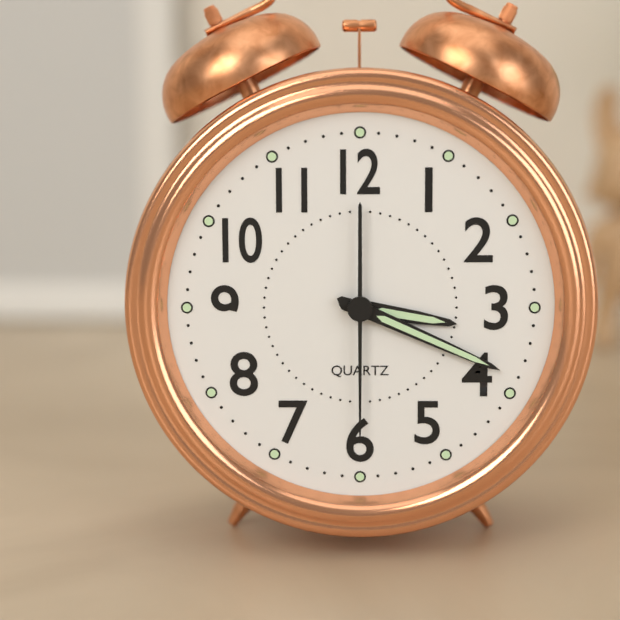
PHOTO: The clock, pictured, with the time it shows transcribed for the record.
3:19:30
